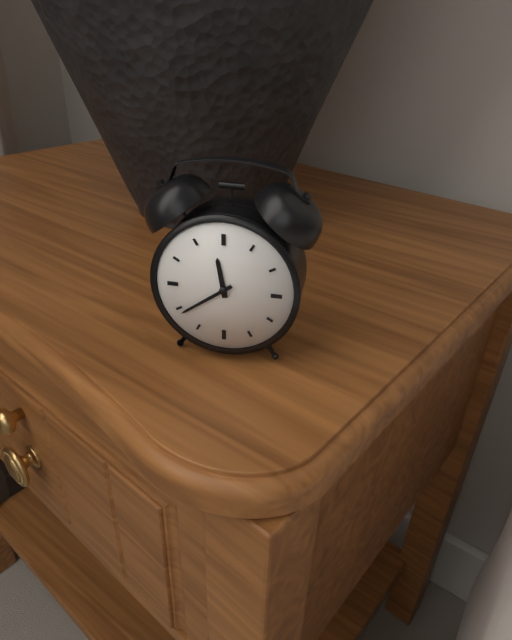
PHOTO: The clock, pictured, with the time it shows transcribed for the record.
11:39
